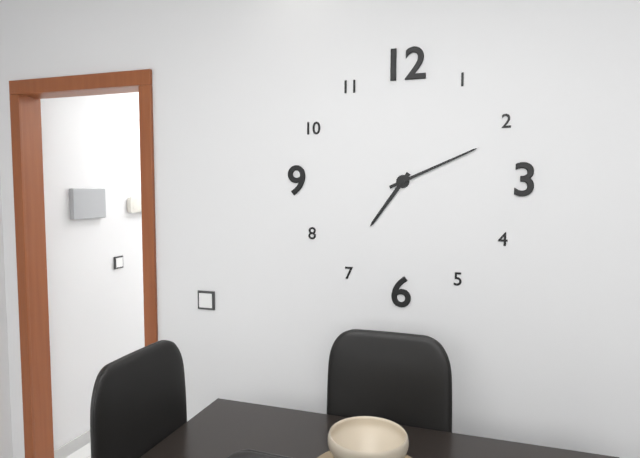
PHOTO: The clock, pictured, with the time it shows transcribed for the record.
7:11
